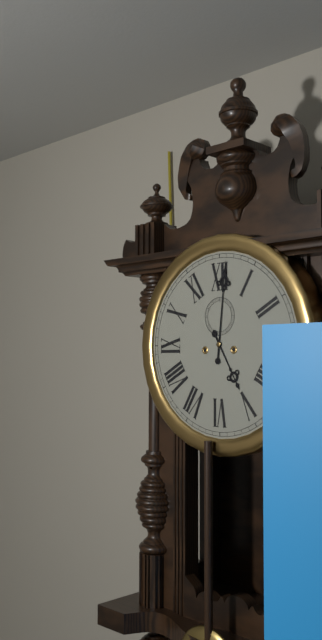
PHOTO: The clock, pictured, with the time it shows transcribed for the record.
5:01
